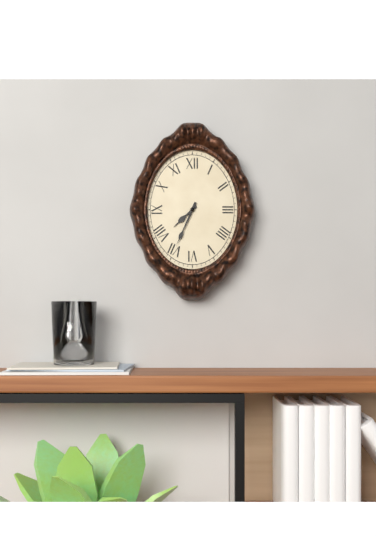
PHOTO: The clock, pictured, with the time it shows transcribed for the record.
7:34
